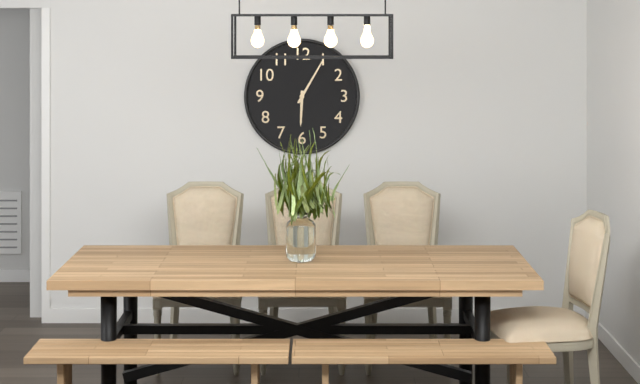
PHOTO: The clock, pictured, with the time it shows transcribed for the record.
6:05
